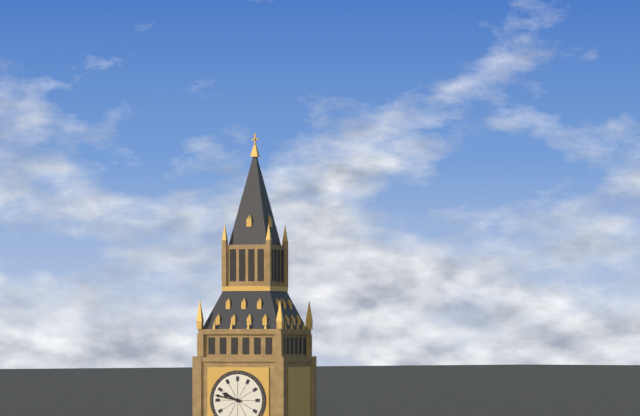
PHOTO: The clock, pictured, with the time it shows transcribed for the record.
9:47
